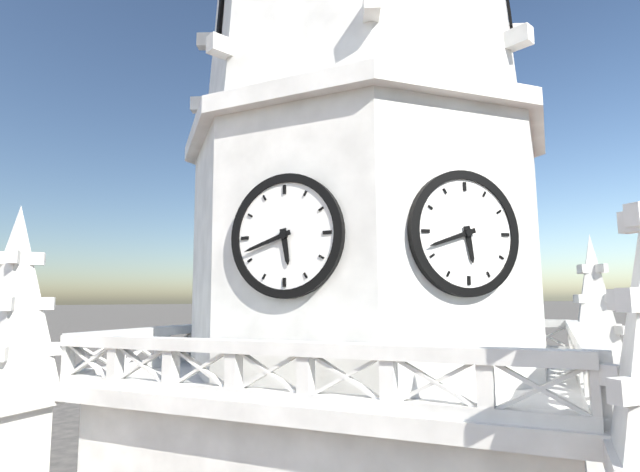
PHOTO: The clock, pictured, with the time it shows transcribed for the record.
5:42
